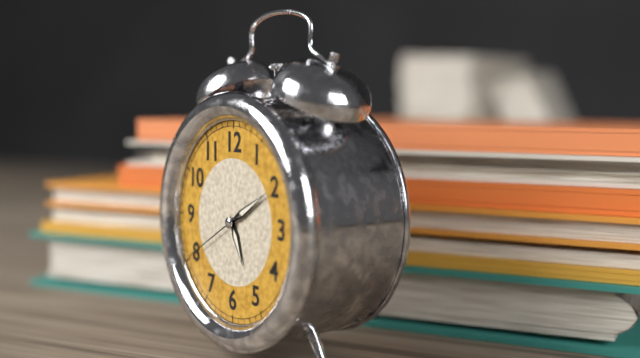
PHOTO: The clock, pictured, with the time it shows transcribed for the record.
5:10:40
